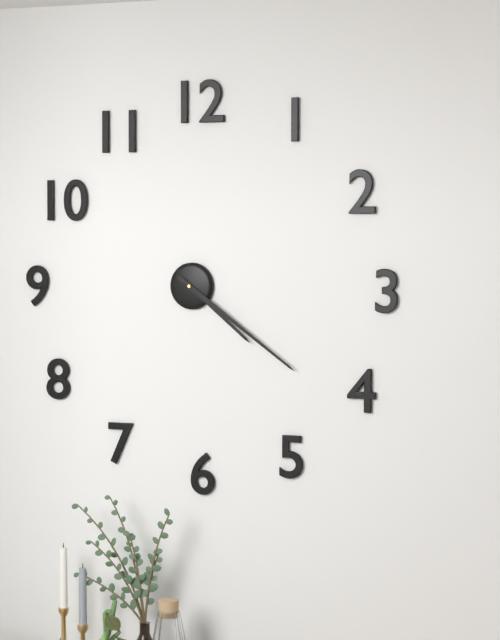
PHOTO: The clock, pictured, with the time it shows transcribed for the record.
4:21
